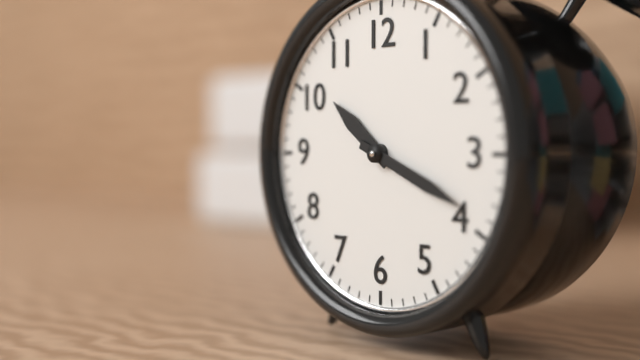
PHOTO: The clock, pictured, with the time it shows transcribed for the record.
10:19
